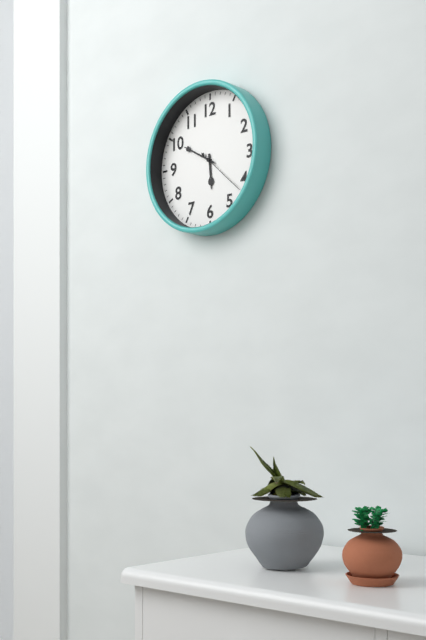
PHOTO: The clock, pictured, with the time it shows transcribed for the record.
5:50
